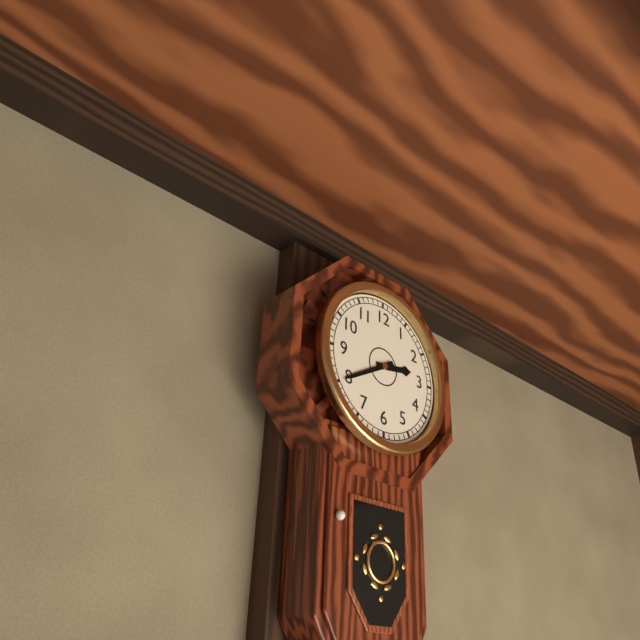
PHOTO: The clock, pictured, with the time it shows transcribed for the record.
2:40
